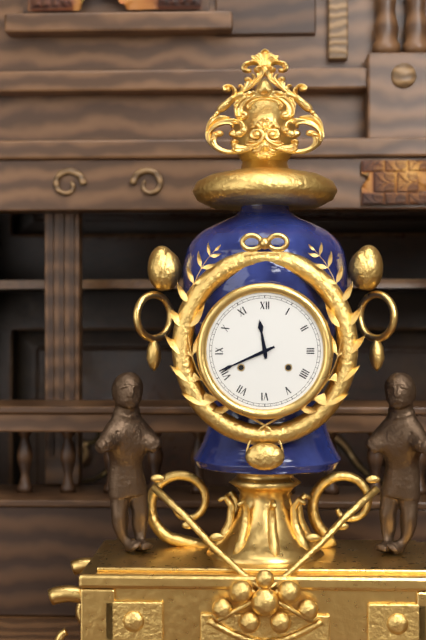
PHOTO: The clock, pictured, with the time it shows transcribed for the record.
11:41
